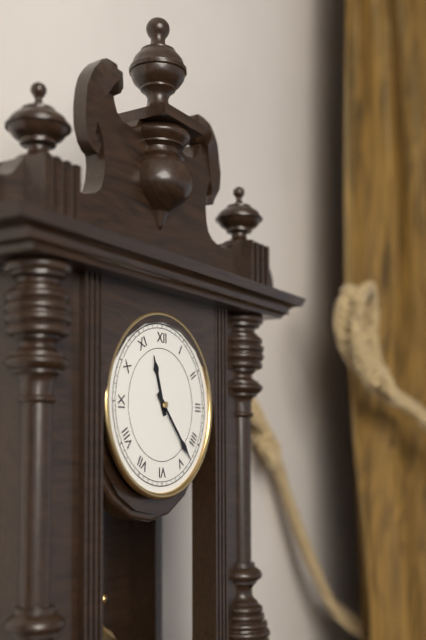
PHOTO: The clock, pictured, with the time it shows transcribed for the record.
11:23
